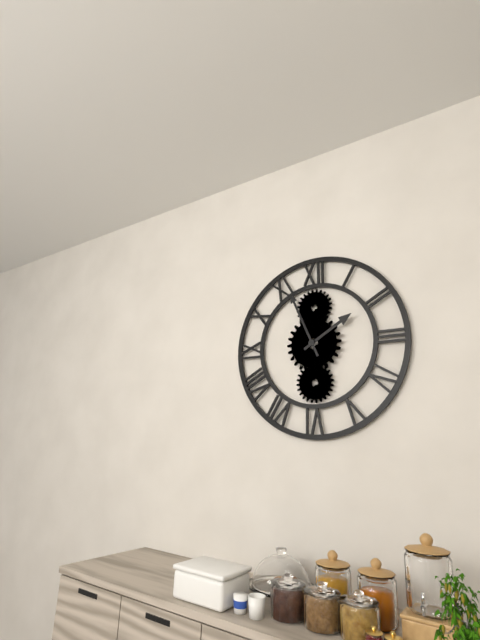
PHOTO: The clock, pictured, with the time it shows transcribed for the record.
1:56
